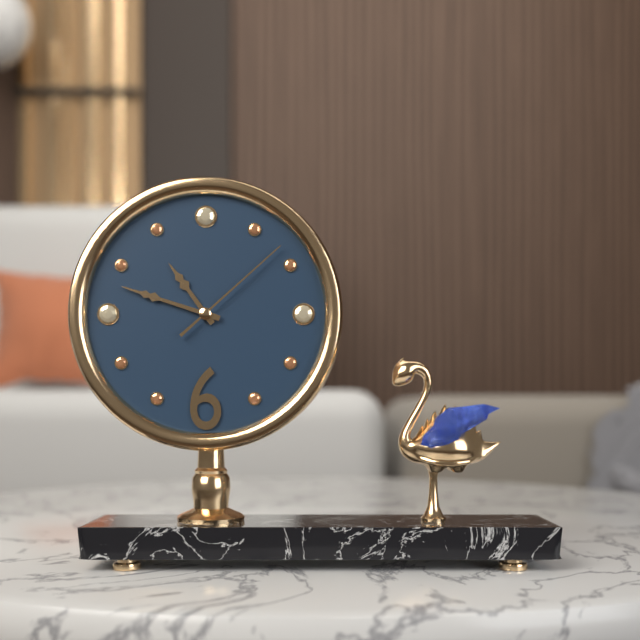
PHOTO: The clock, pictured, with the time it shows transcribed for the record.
10:48:08
